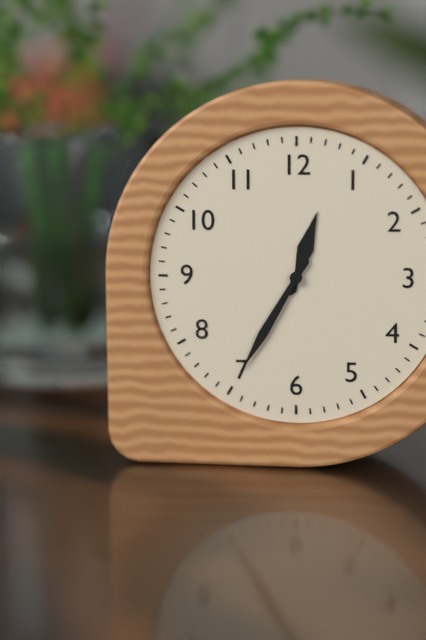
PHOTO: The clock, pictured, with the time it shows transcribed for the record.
12:35
